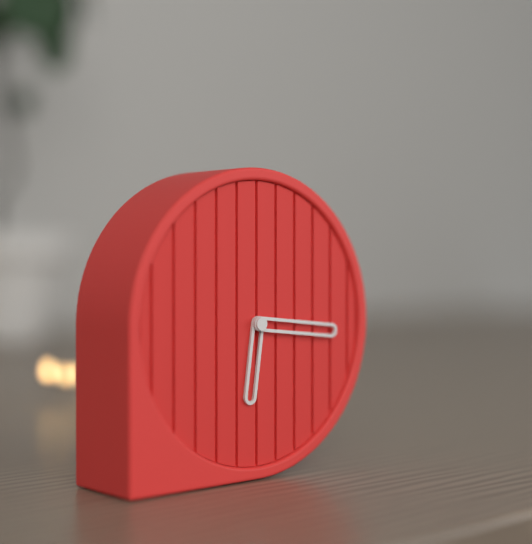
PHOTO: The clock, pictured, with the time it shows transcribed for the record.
6:16
